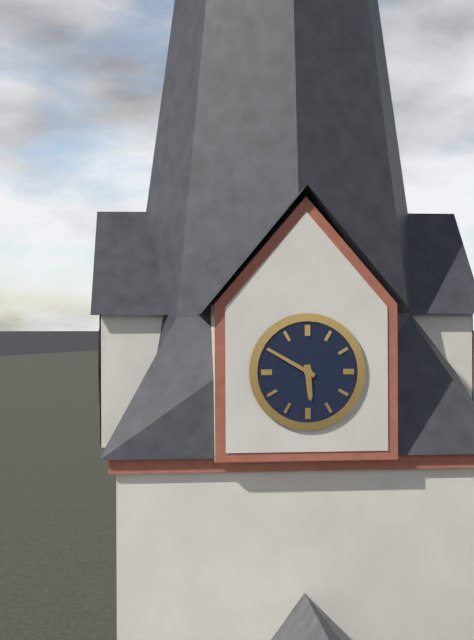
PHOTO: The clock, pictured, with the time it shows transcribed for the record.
5:50
